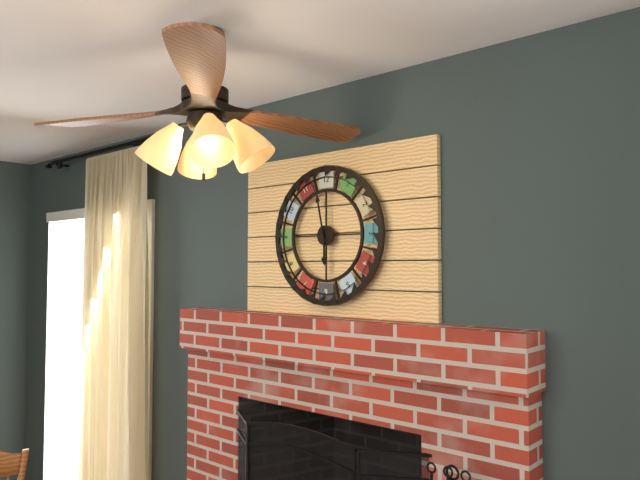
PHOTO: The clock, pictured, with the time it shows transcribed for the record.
5:58
